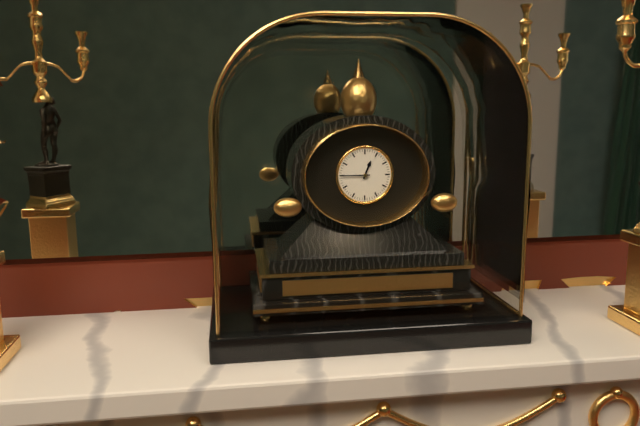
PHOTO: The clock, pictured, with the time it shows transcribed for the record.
12:45
